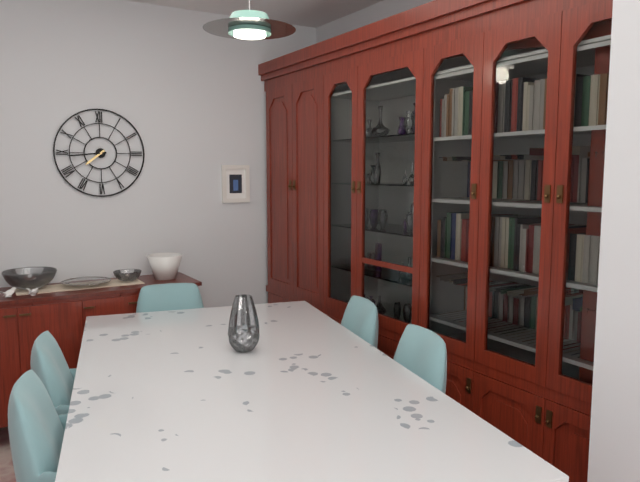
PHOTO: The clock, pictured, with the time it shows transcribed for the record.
7:44
